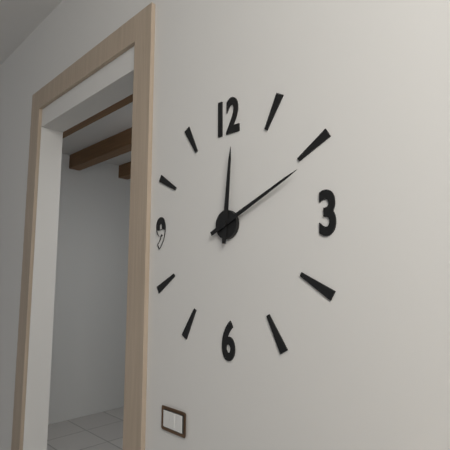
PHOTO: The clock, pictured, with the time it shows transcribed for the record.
12:11
